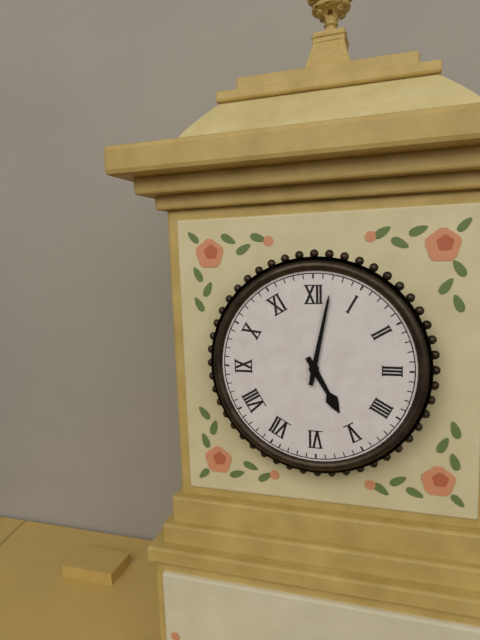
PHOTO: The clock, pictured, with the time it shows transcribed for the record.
5:02
